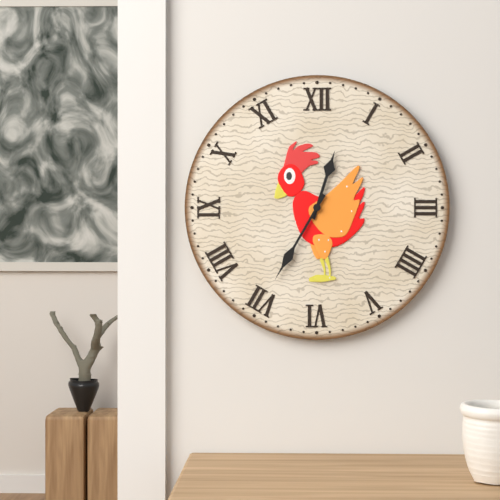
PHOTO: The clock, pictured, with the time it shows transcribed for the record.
12:35
